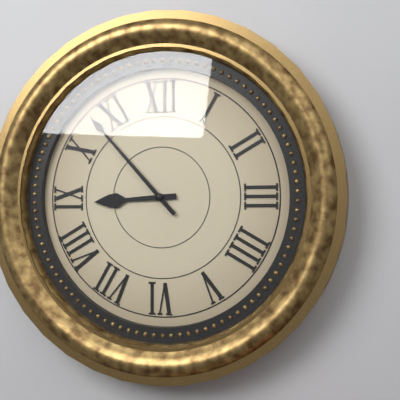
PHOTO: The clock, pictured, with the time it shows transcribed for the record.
8:53
